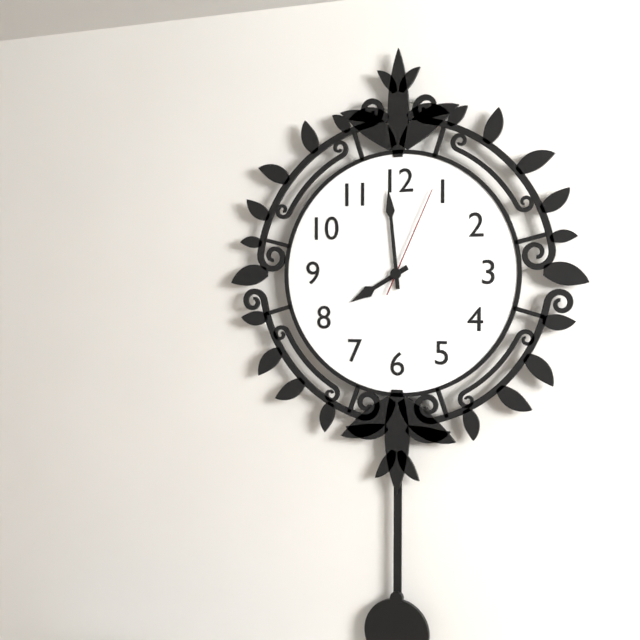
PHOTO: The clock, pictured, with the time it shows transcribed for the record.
7:59:04
